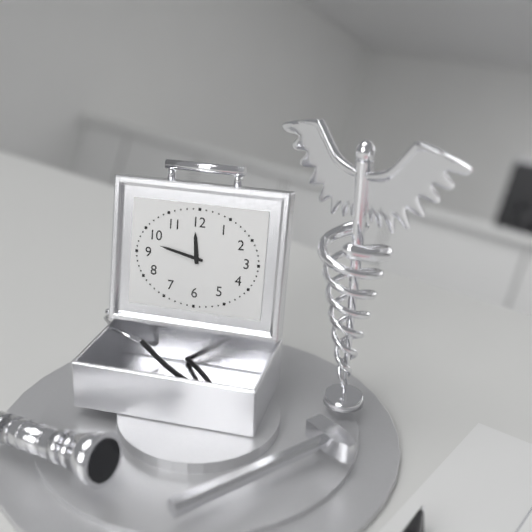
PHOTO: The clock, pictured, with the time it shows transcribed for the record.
11:47
